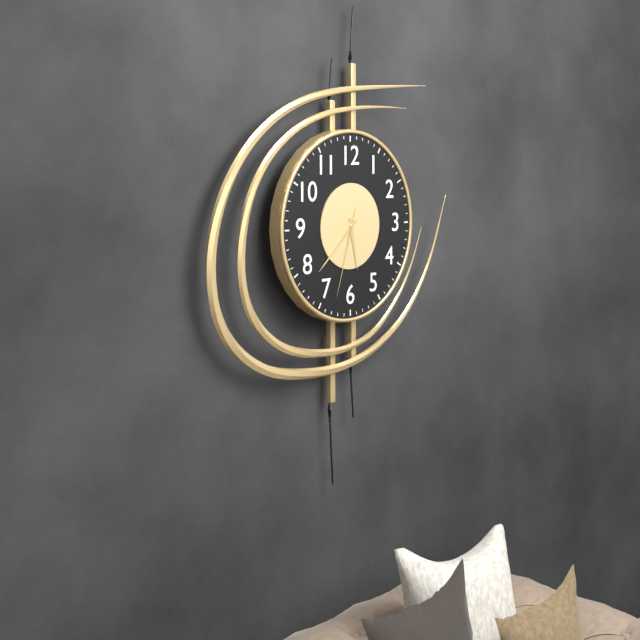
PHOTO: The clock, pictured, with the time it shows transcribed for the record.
5:38:33
